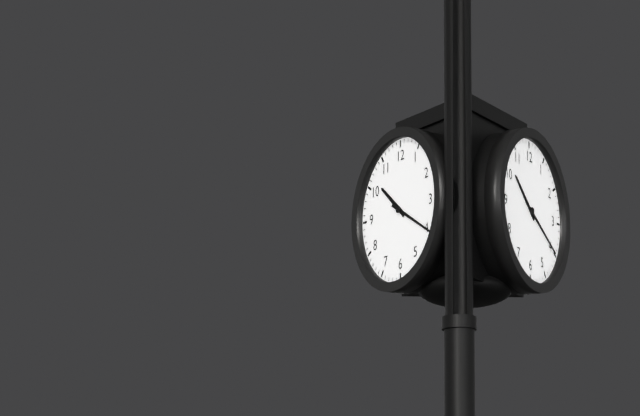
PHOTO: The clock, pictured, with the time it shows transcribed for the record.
10:20
